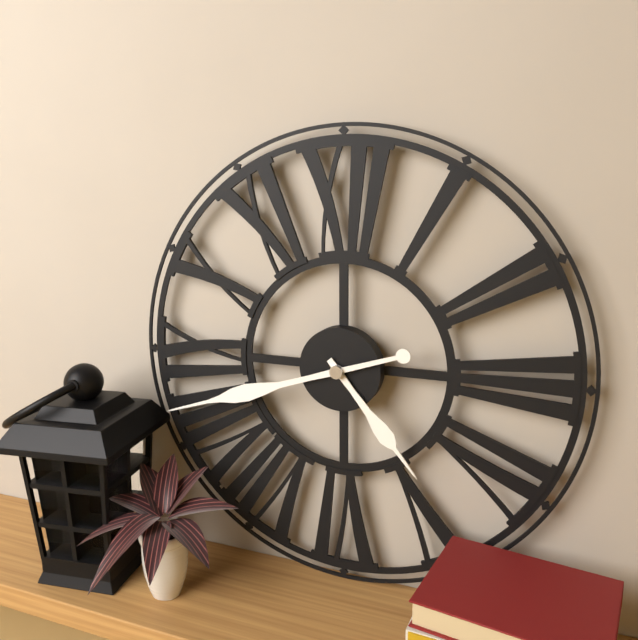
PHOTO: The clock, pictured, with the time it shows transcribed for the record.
4:42
